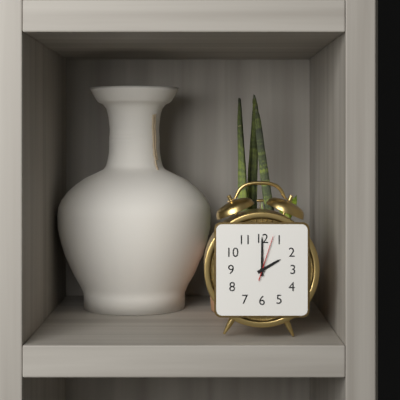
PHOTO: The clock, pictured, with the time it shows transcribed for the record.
2:00
